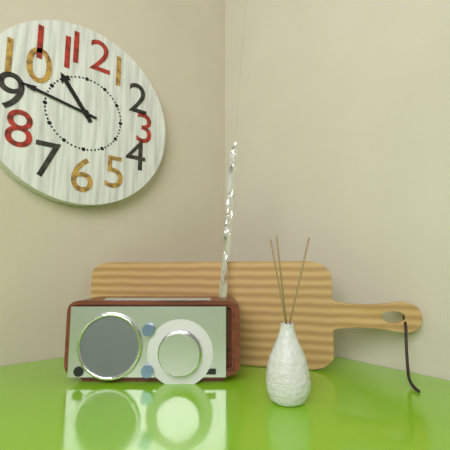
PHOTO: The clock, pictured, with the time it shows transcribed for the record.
10:47
